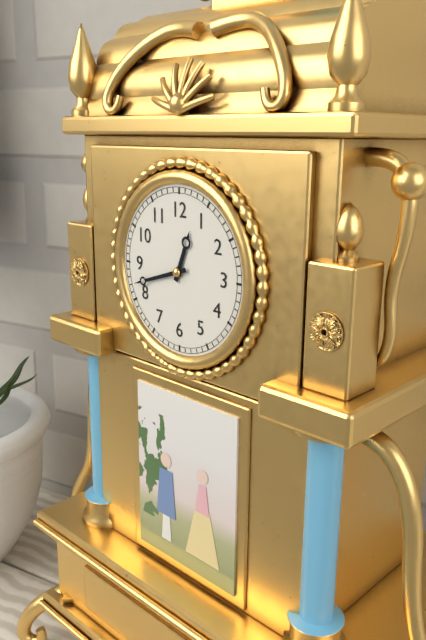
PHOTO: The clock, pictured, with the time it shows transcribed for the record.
12:42
